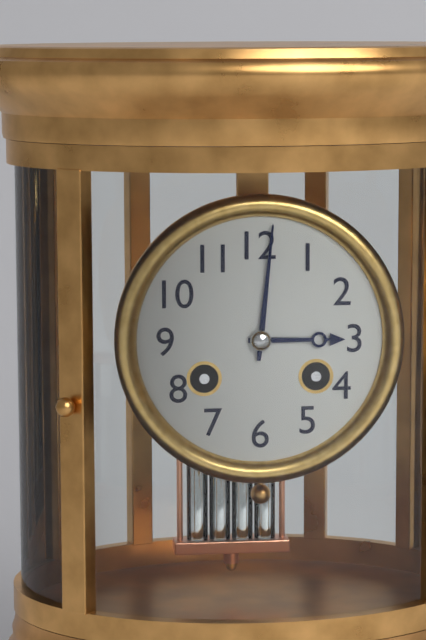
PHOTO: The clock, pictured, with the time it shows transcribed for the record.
3:01
